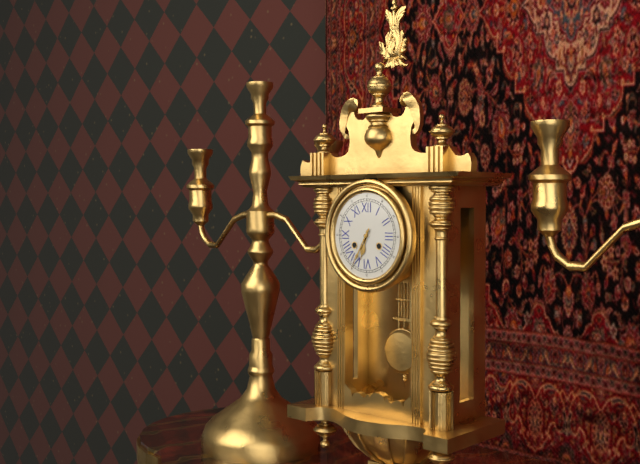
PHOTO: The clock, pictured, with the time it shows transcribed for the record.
6:35
